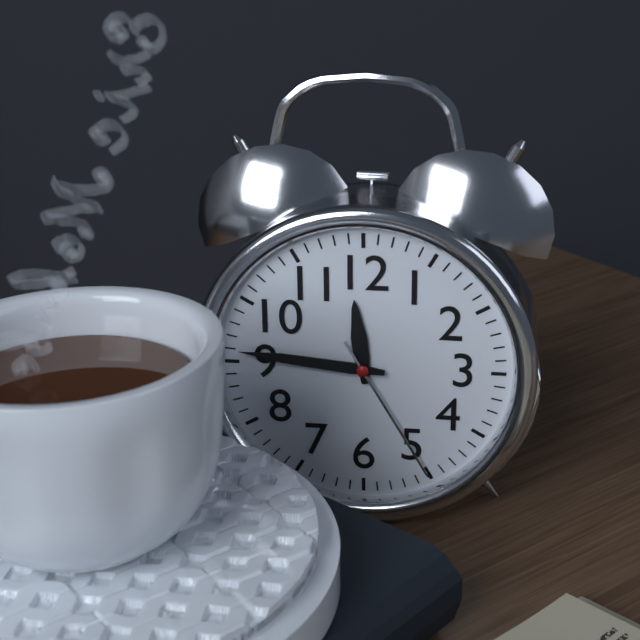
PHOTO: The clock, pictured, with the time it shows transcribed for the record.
11:46:25
